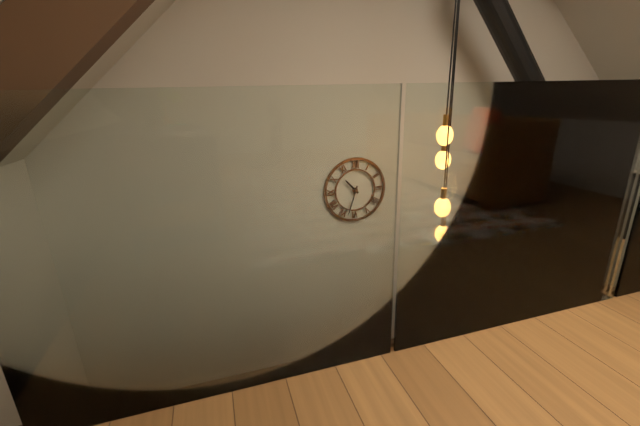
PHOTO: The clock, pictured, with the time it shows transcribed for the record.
10:33
